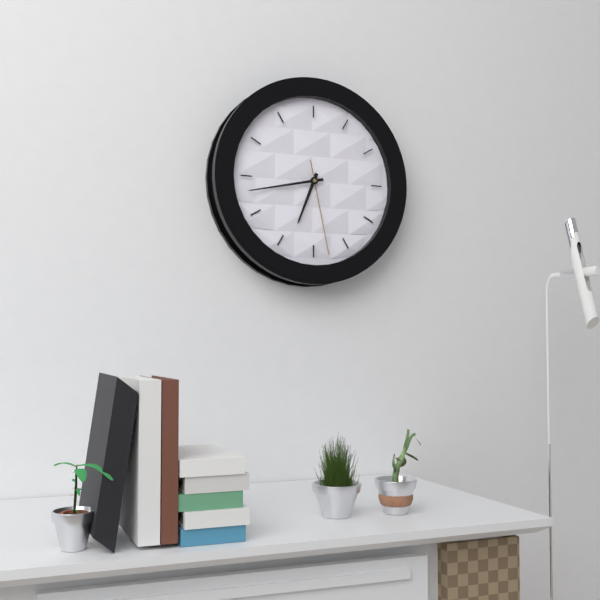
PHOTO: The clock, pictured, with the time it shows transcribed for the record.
6:43:28
